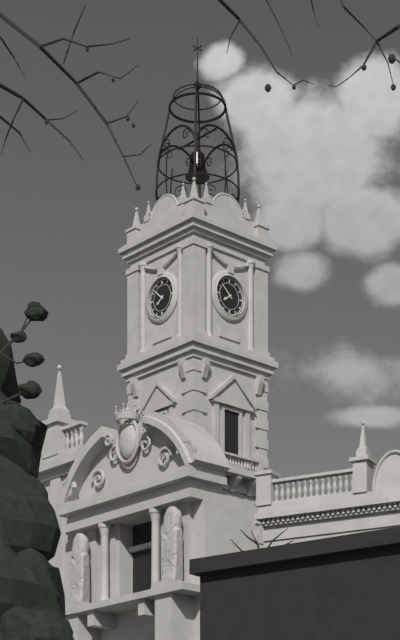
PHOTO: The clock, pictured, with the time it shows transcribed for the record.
7:52
